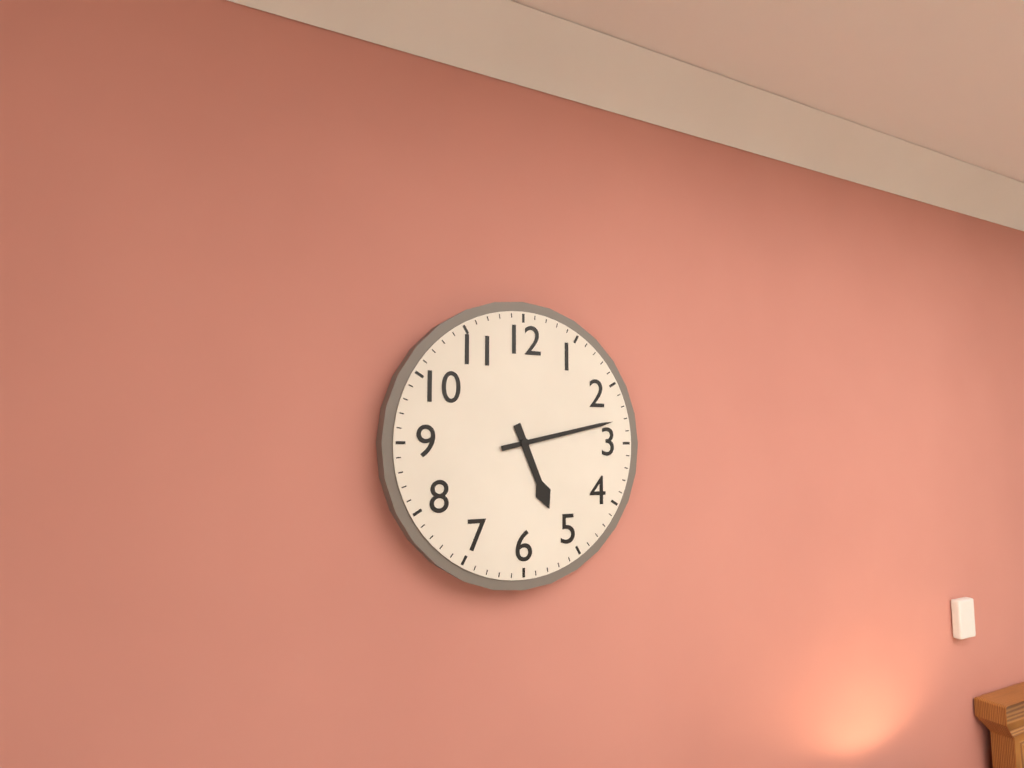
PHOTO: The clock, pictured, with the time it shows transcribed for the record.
5:13
